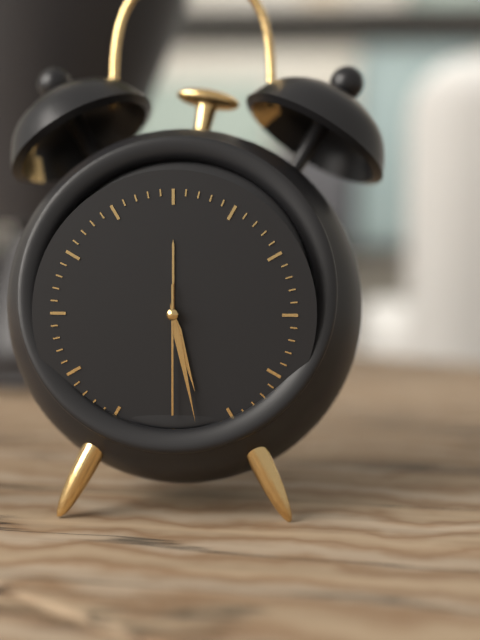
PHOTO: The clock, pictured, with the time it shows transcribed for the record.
5:28:30
